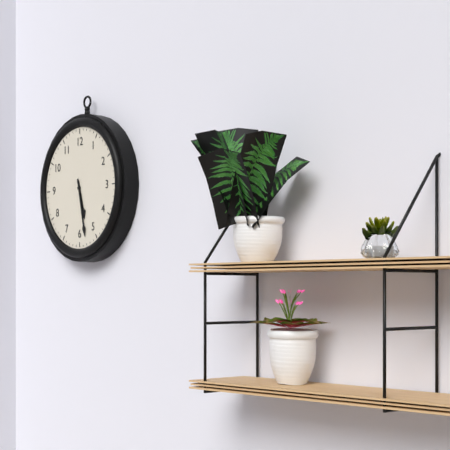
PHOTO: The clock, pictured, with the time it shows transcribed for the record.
5:28
